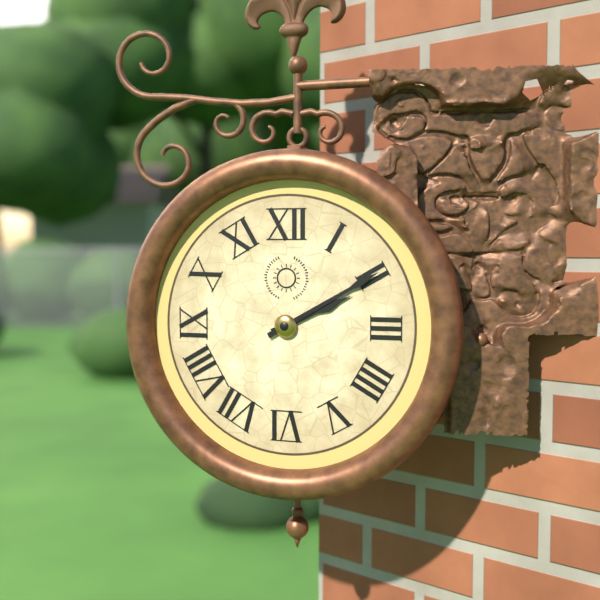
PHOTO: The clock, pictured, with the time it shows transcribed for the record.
2:10
